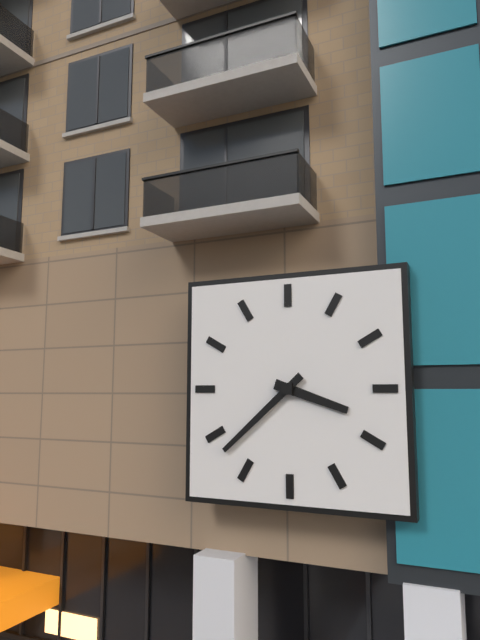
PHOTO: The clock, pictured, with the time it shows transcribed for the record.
3:38
